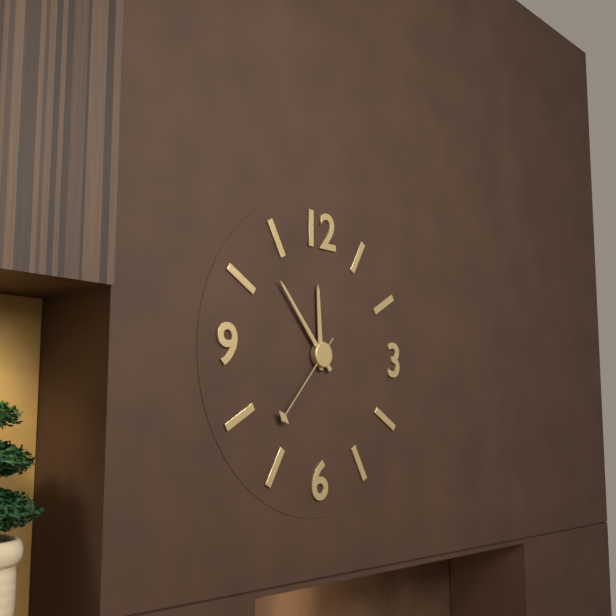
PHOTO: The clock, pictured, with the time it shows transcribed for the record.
11:53:37
